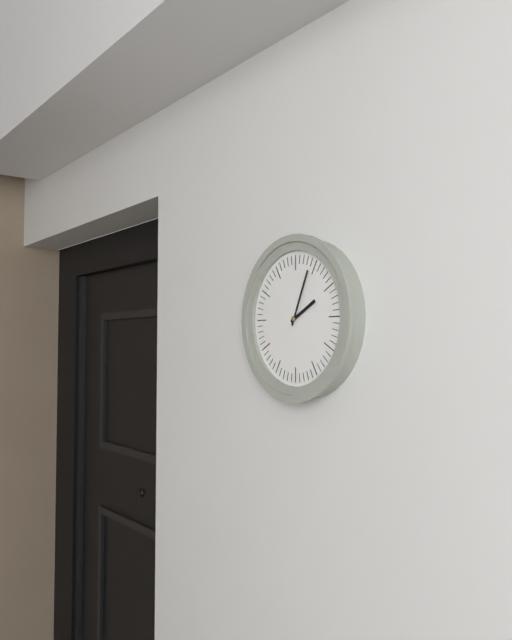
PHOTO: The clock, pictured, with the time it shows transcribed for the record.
2:04
